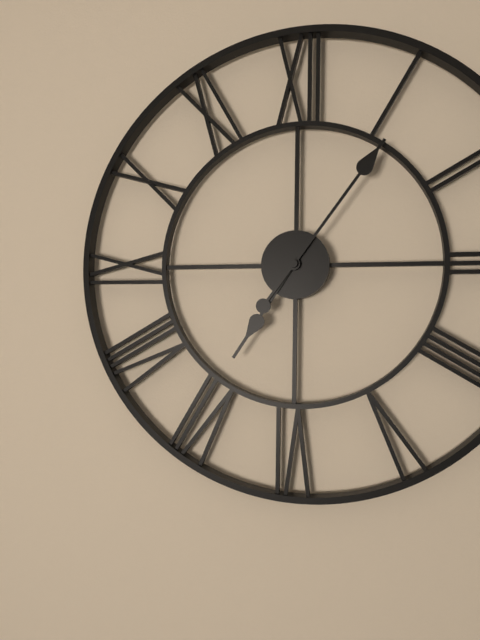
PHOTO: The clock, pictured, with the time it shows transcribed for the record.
7:06
